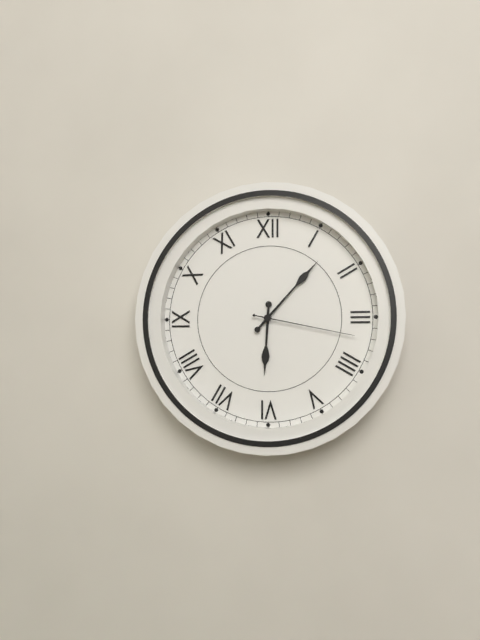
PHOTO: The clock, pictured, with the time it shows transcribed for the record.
6:07:17
